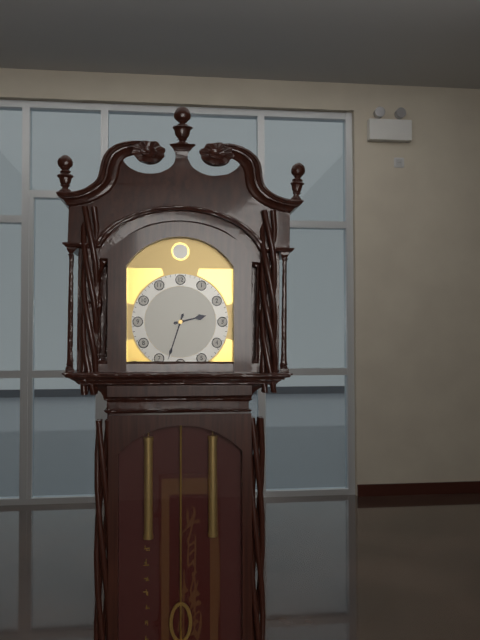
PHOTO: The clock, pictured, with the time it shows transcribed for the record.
2:33
